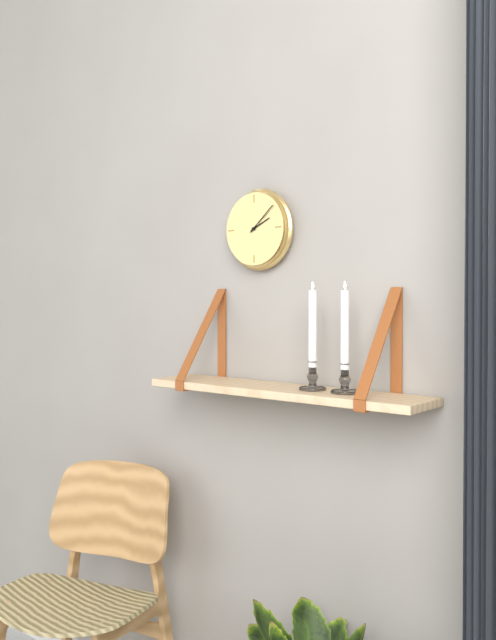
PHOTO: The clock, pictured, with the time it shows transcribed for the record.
2:08
